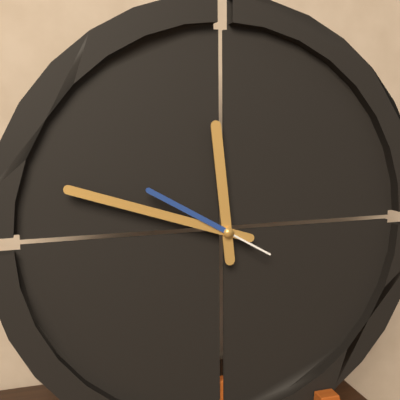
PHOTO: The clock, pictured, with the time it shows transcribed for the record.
11:48:50
